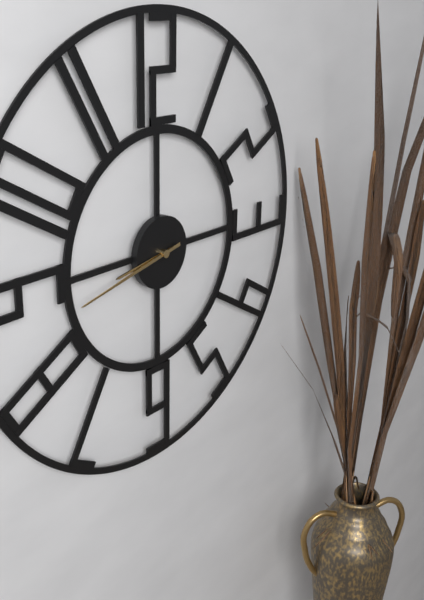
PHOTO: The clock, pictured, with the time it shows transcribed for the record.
8:43
